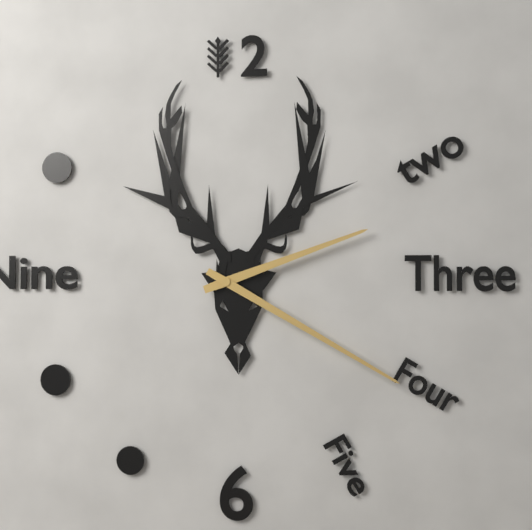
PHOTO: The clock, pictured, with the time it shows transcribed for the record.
2:20
